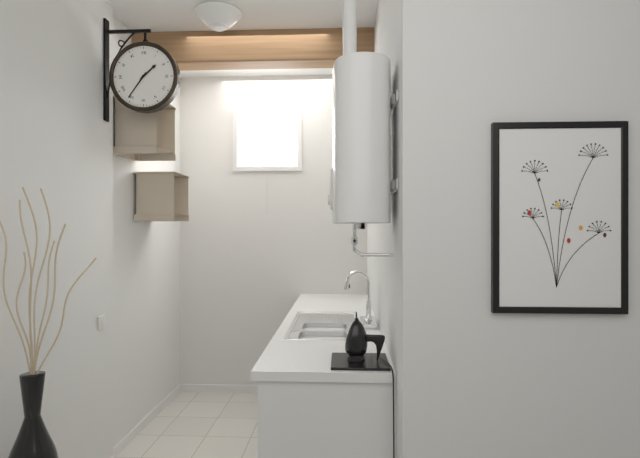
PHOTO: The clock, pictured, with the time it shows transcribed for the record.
1:36
